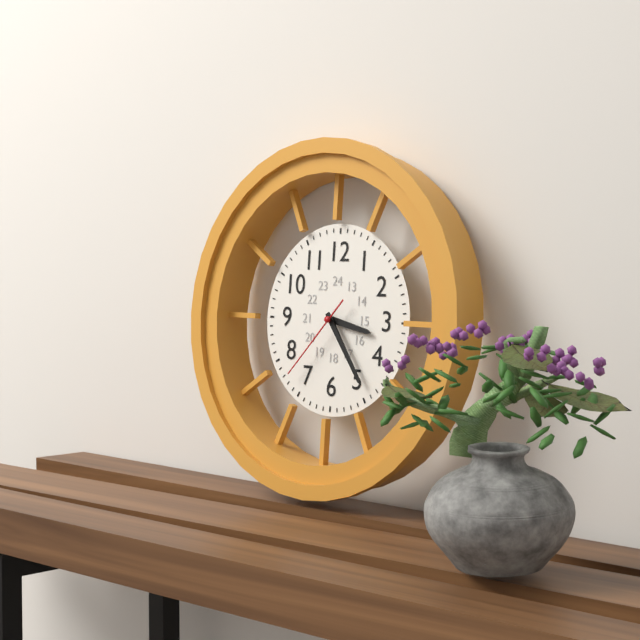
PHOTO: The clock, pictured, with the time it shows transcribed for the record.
3:24:37
